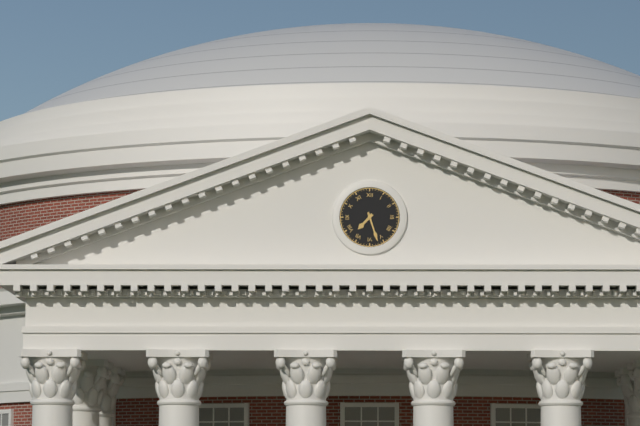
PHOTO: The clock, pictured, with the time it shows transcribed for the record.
7:27
